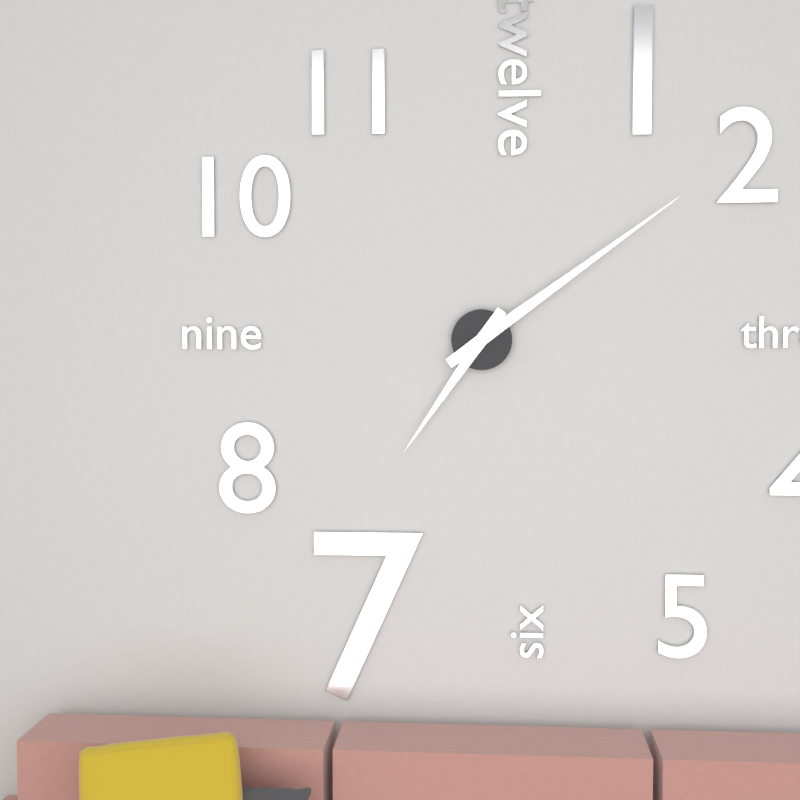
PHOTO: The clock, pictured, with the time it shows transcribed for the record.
7:09
